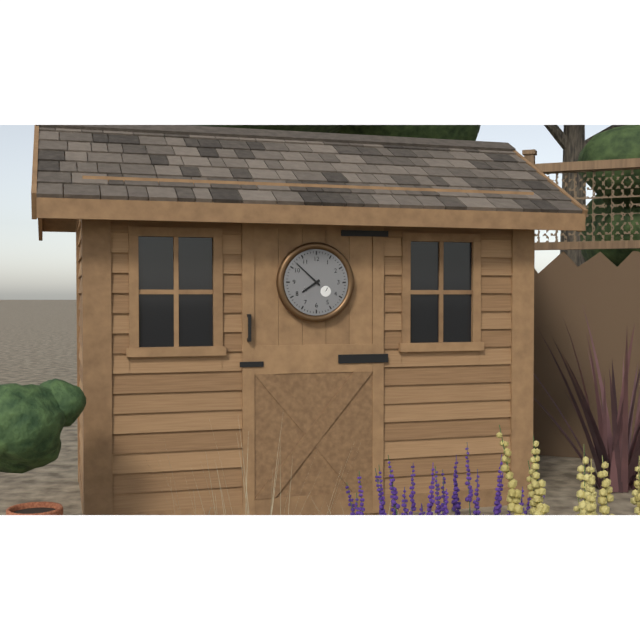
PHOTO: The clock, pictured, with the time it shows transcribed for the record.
7:52
